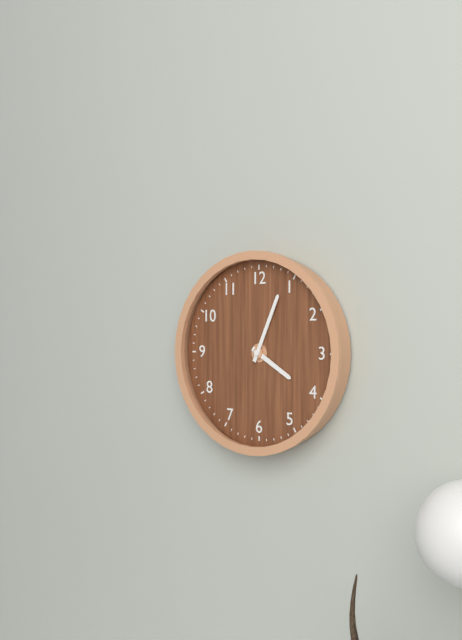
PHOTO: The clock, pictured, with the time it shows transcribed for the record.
4:04
